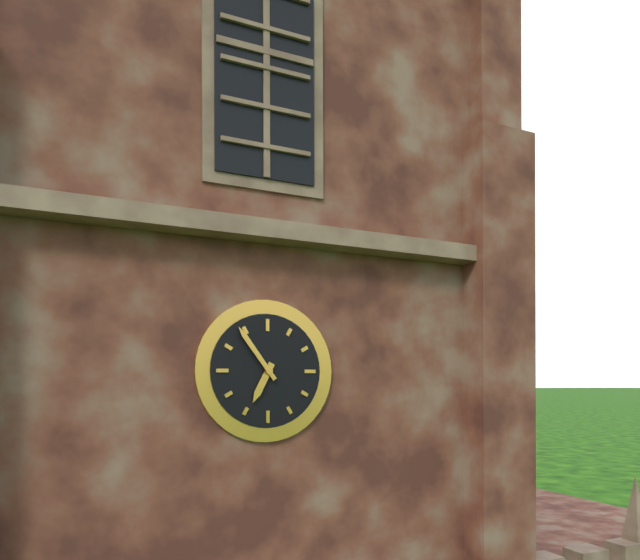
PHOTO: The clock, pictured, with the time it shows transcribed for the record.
6:54
